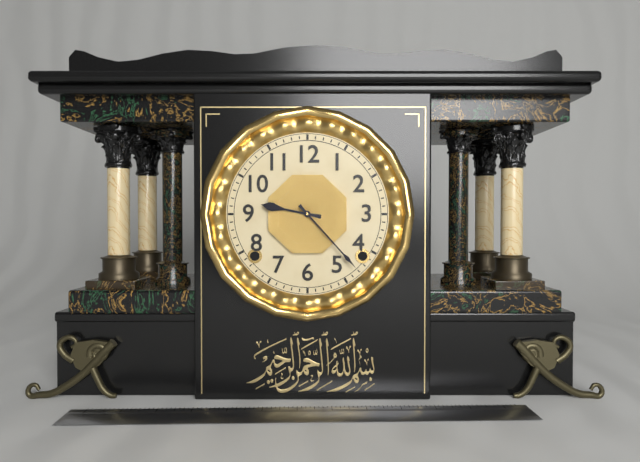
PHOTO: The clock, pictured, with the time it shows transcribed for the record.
9:23
